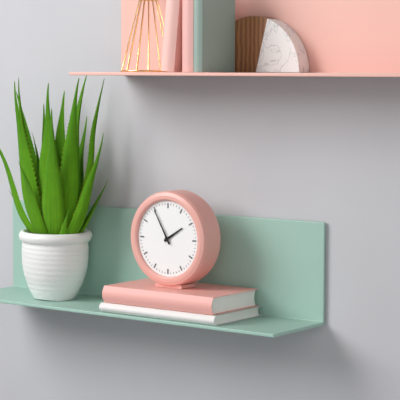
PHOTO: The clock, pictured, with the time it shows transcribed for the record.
1:55
